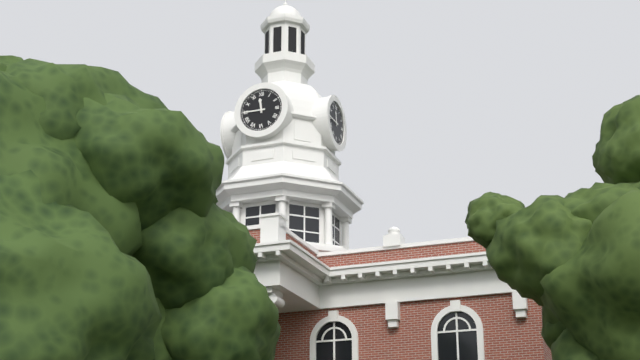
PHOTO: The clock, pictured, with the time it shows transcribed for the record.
11:45
